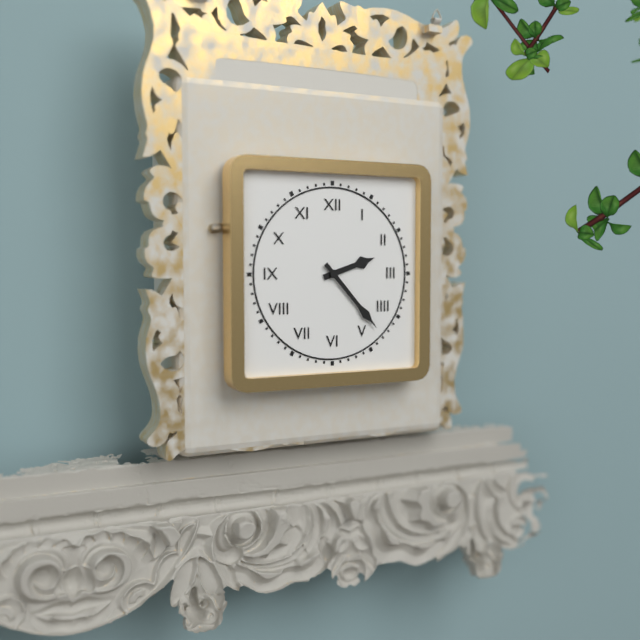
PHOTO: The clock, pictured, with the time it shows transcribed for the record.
2:23
